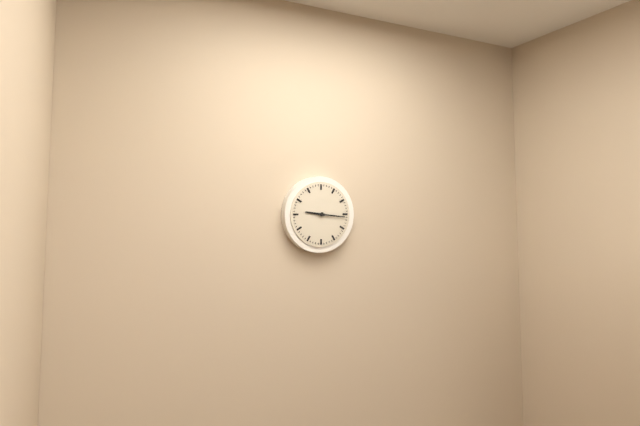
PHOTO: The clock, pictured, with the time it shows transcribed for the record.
9:16
